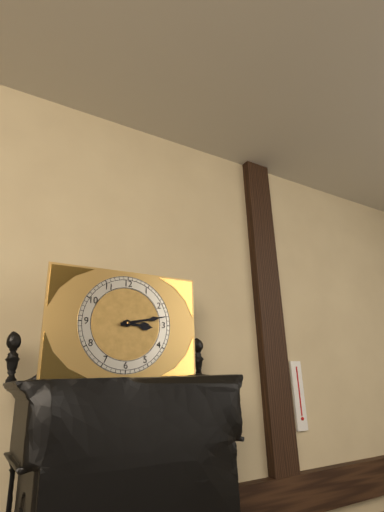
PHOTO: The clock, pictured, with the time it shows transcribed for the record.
3:13
